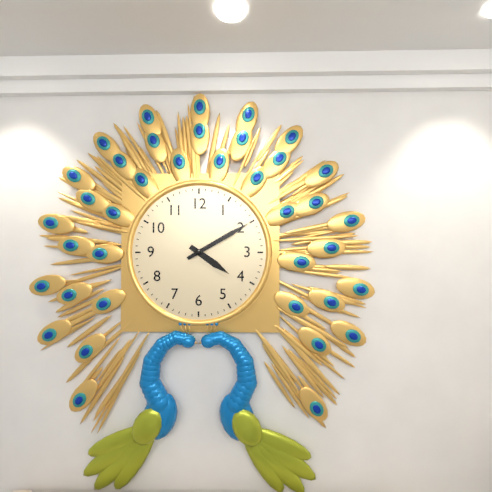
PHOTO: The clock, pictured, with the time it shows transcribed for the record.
4:10
